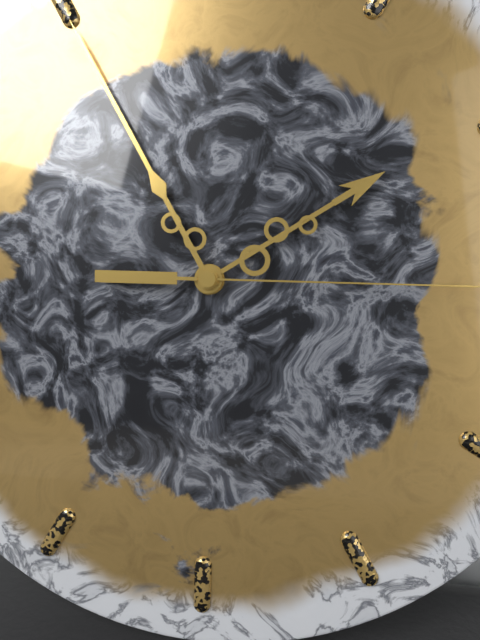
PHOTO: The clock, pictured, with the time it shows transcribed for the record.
1:55
